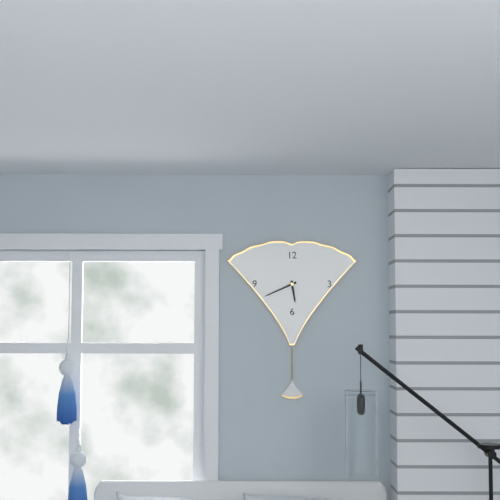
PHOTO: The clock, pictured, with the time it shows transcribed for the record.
5:41
